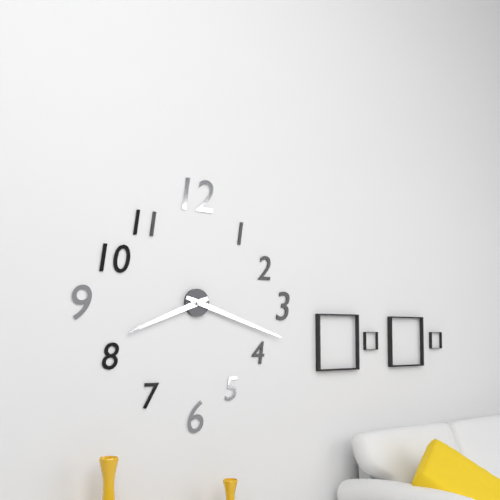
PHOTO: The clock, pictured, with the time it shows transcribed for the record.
8:18
